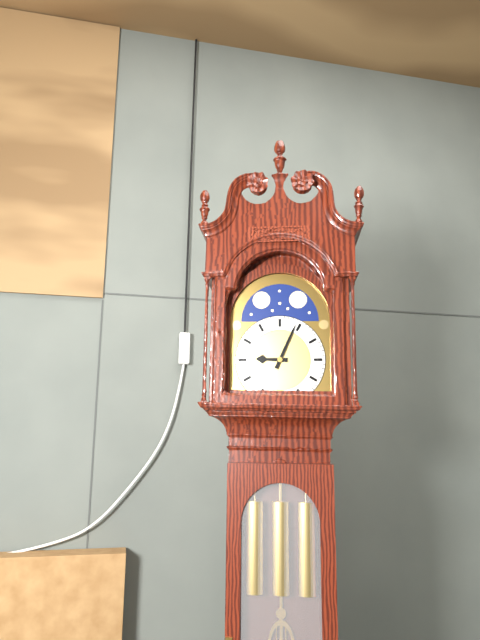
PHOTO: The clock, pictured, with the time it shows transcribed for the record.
9:04
